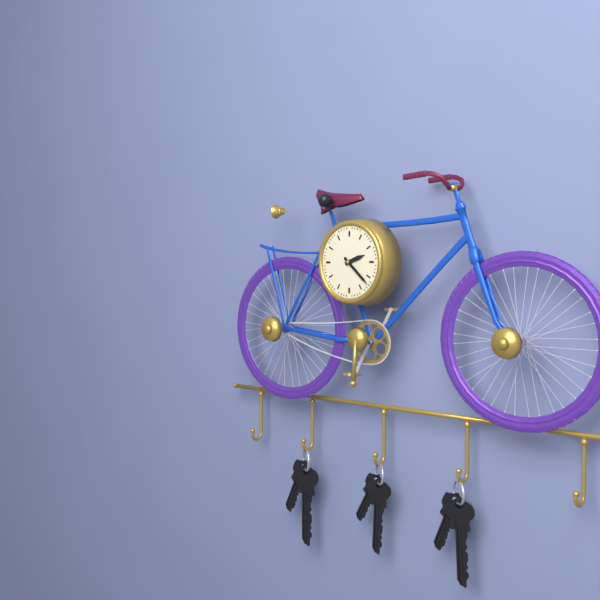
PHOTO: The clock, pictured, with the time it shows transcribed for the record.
2:22
